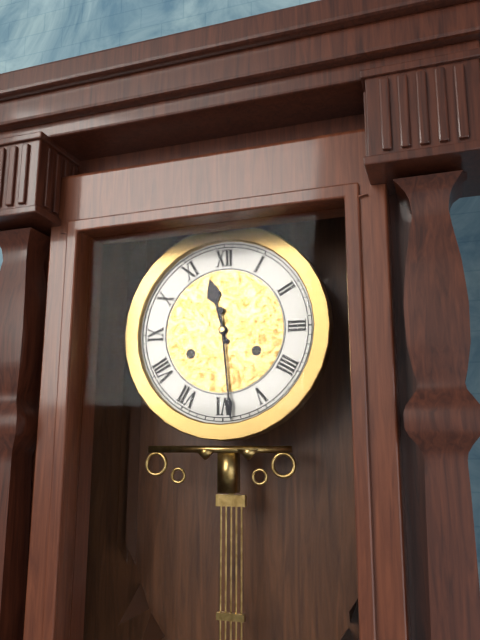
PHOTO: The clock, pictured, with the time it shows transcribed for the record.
11:29
